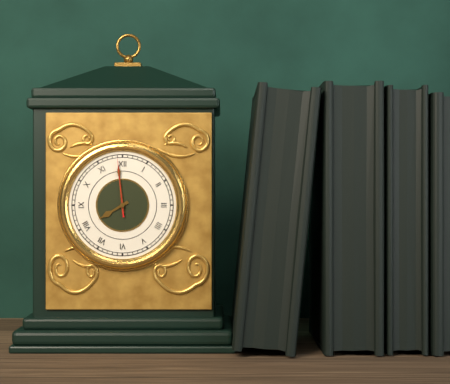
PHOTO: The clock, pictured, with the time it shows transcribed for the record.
7:59:59
